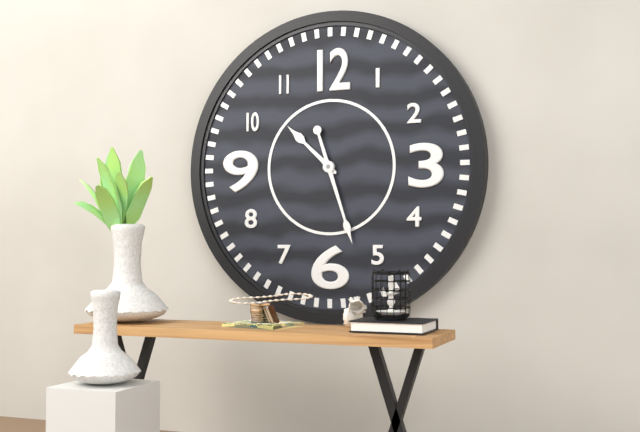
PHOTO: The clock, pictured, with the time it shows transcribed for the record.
10:27
